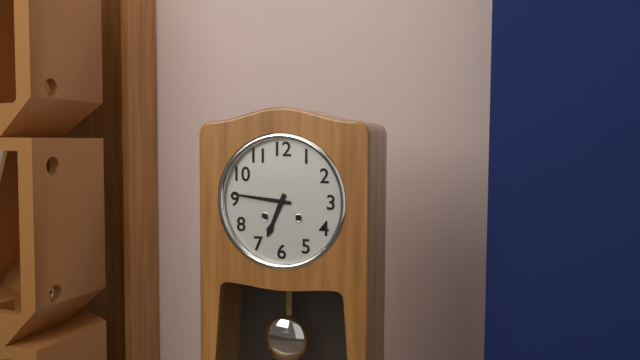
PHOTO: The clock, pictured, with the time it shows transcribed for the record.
6:46
